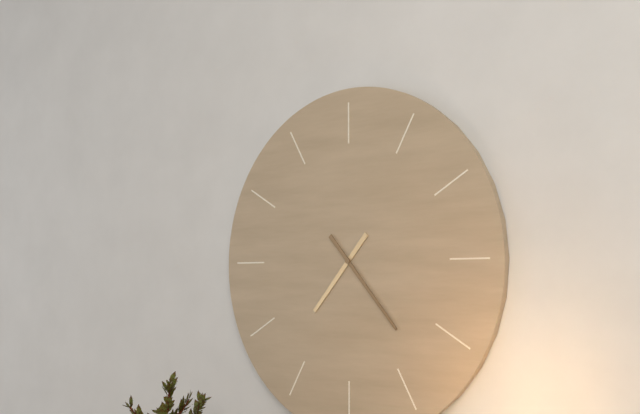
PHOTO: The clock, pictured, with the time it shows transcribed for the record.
7:23
